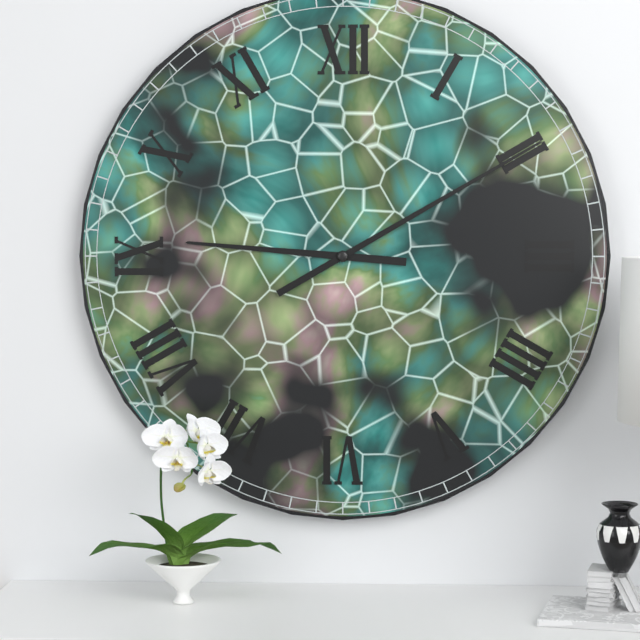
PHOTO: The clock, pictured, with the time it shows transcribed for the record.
9:10
